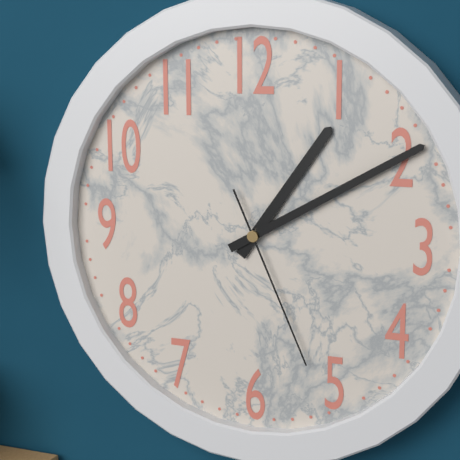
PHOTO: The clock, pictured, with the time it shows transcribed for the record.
1:10:26
